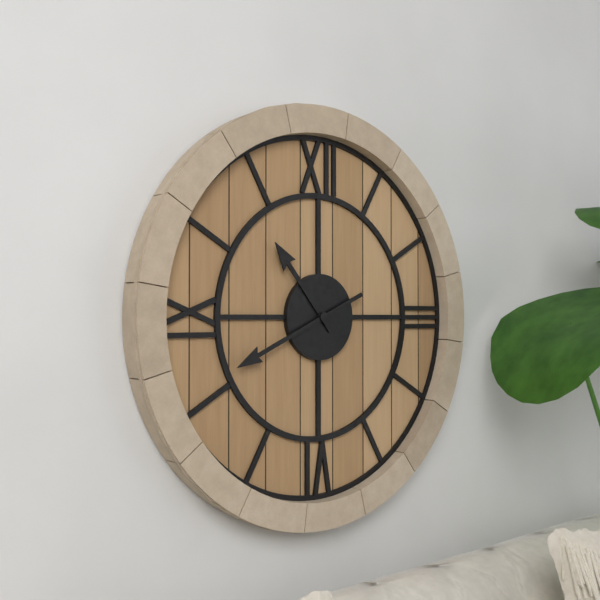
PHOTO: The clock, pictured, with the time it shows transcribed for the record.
10:41
